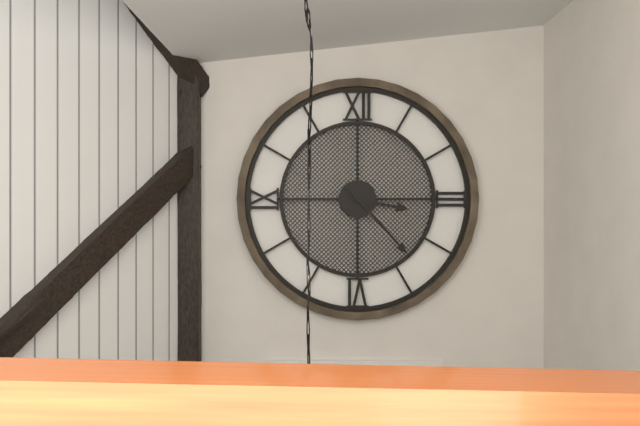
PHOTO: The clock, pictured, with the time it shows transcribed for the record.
3:23
